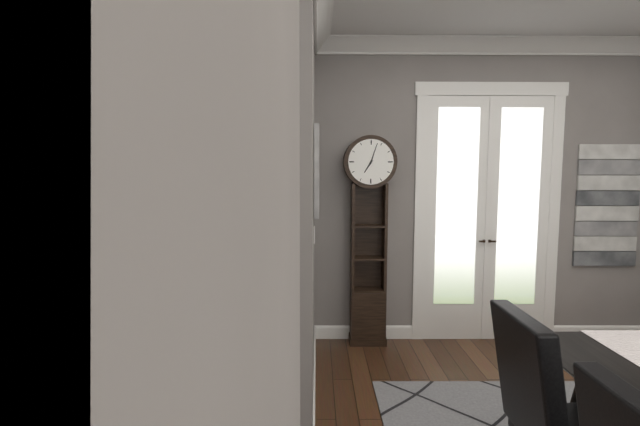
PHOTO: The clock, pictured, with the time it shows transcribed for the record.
7:03
